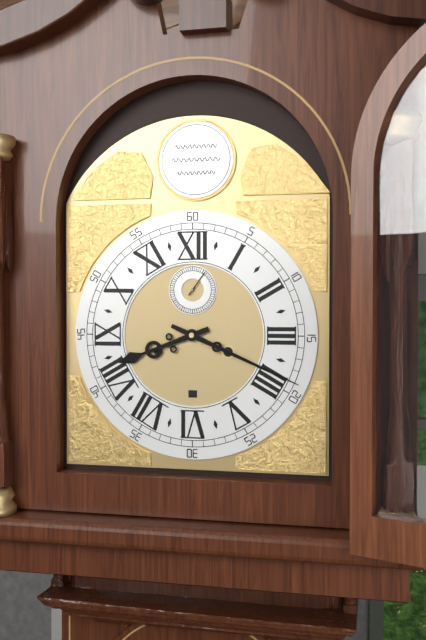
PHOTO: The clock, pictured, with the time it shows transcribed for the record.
8:19
